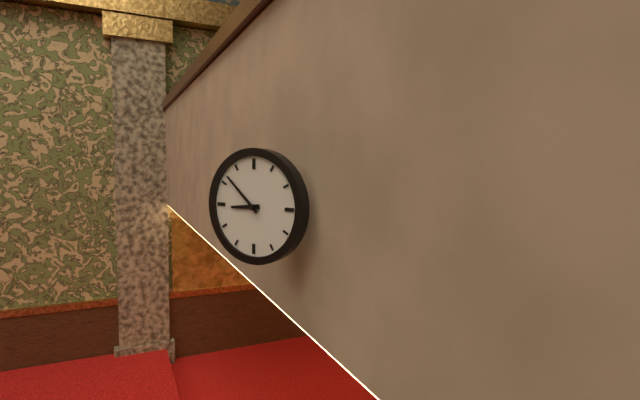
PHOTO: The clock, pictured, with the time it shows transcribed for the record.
8:52
